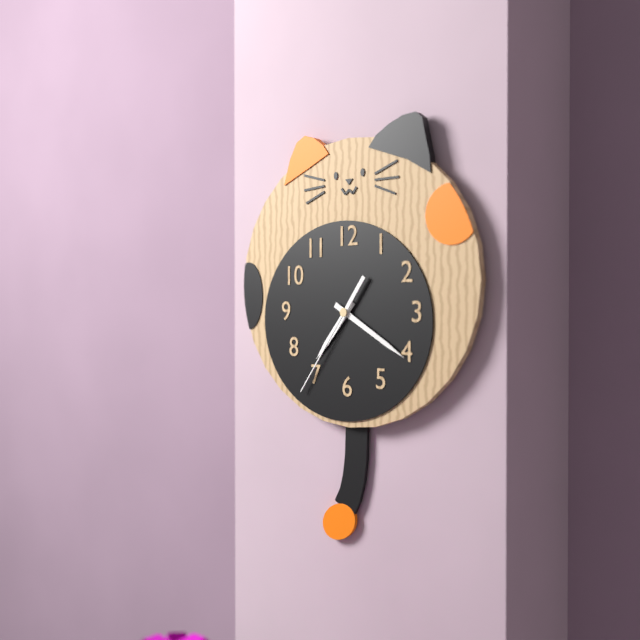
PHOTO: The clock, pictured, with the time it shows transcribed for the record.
7:20:36
